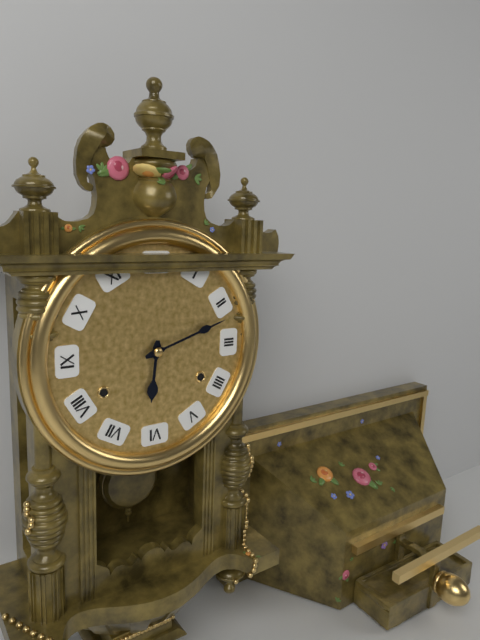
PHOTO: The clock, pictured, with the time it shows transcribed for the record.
6:12
